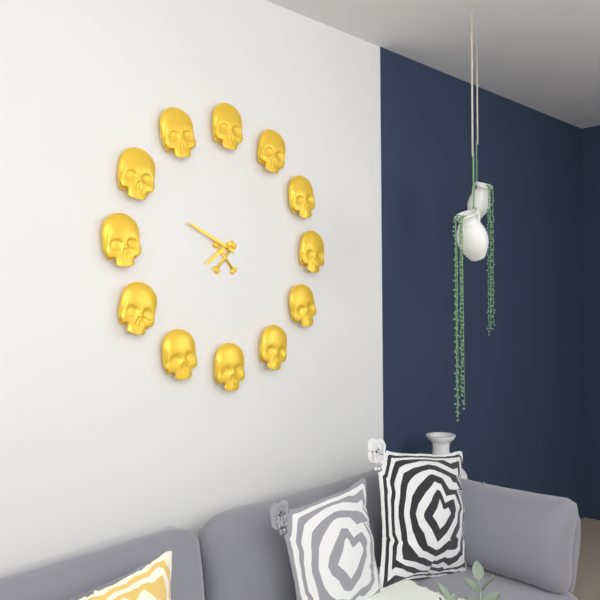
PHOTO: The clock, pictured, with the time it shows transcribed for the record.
7:49
